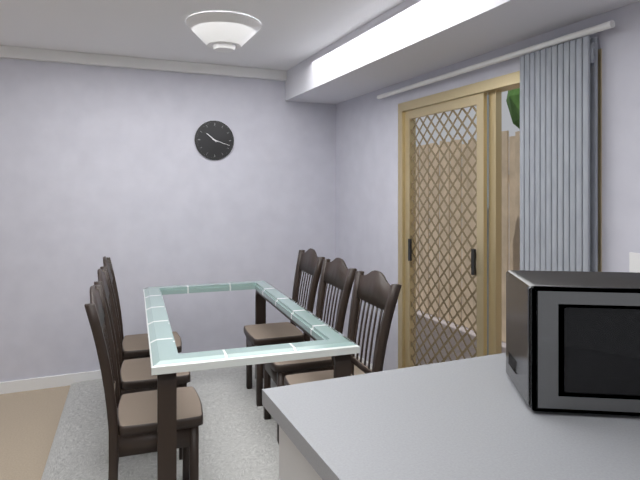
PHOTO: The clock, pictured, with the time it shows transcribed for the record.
10:18
